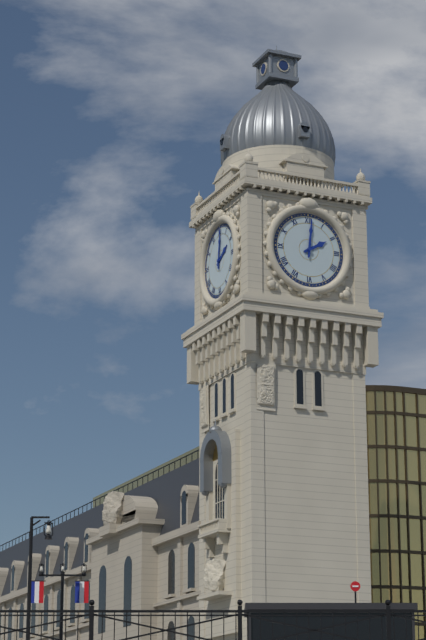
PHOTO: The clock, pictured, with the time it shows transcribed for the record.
2:01
